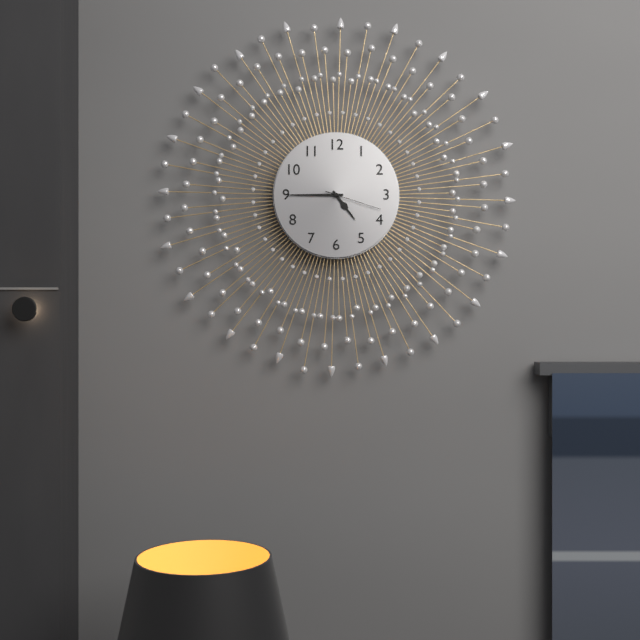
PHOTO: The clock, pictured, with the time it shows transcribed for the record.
4:45:18
